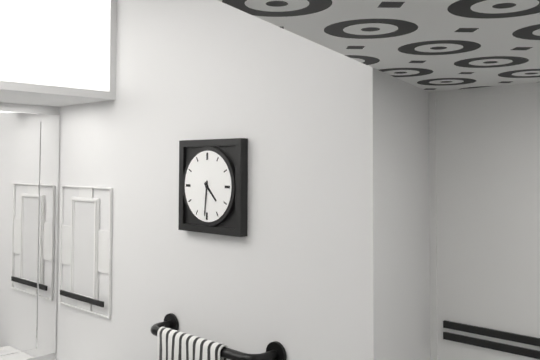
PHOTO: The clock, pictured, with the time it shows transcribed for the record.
4:31
